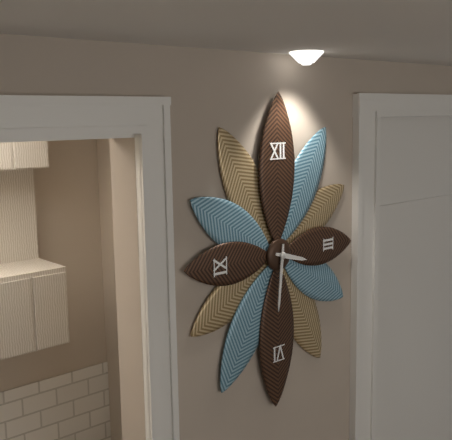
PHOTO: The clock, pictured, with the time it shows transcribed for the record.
3:31
